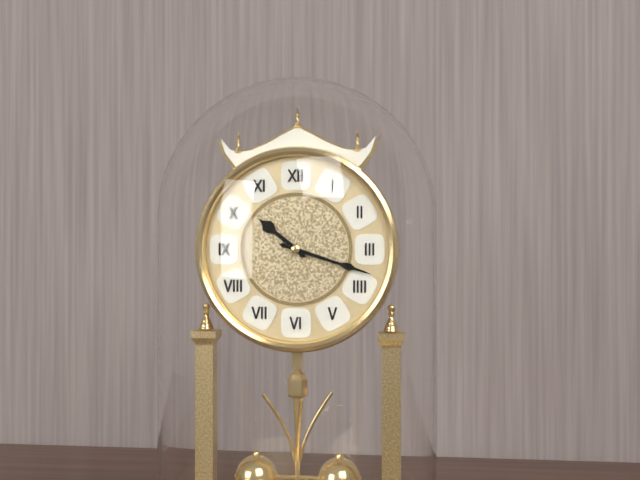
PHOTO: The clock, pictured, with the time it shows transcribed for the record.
10:18
